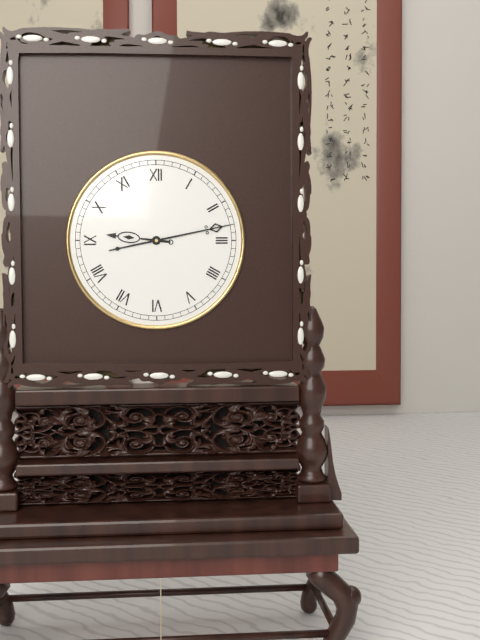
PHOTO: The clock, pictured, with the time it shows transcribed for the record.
9:13
